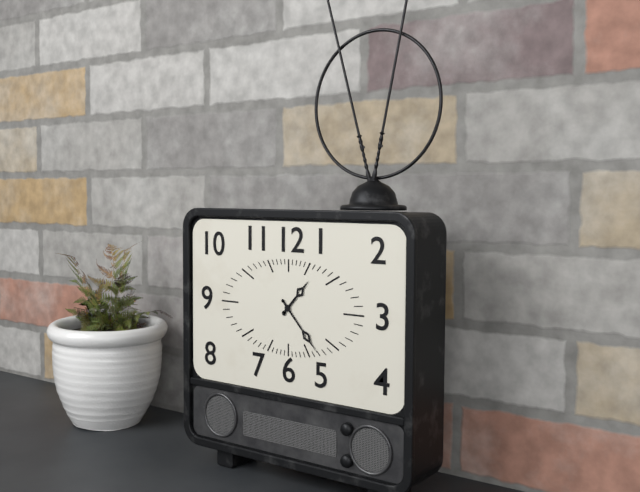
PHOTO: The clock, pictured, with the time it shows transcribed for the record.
1:23
